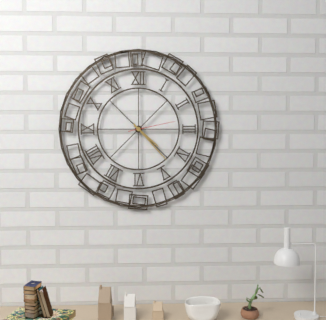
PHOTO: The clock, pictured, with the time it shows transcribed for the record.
4:23
